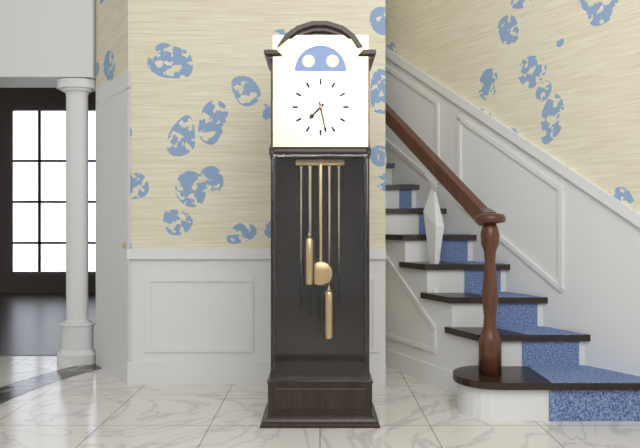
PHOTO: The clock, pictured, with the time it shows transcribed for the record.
7:28
